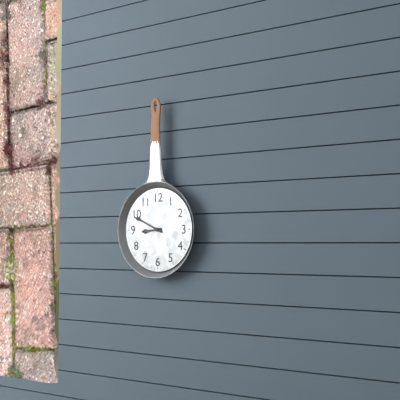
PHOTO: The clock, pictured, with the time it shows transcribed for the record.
8:49
